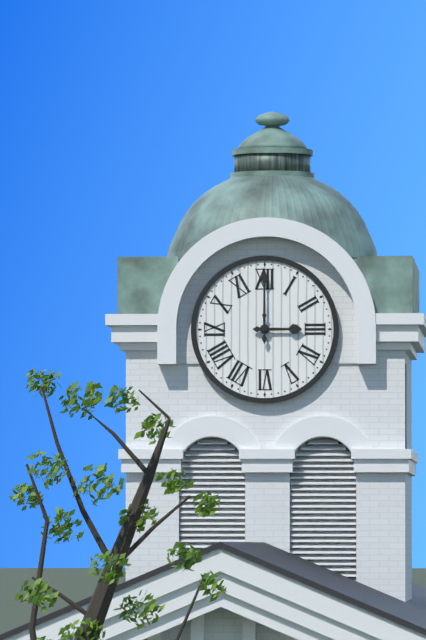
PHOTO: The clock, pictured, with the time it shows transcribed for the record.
3:00
